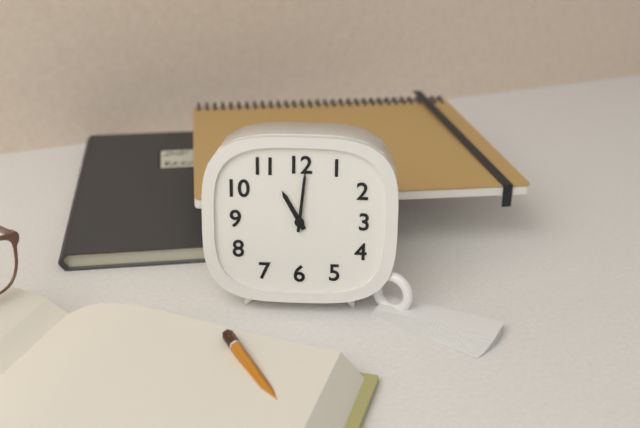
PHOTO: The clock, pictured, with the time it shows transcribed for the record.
11:01
